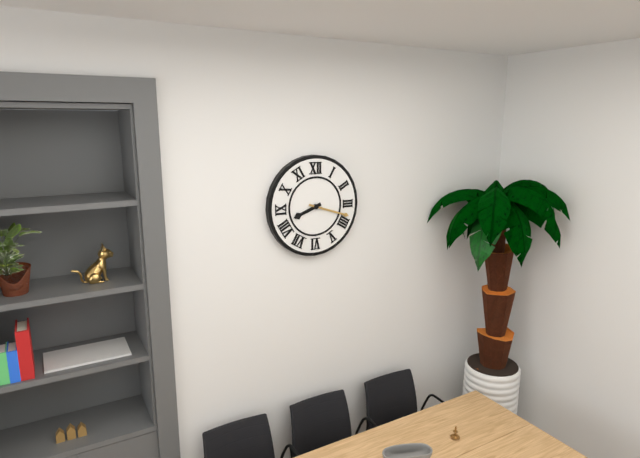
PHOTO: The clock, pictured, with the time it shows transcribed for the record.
8:18
